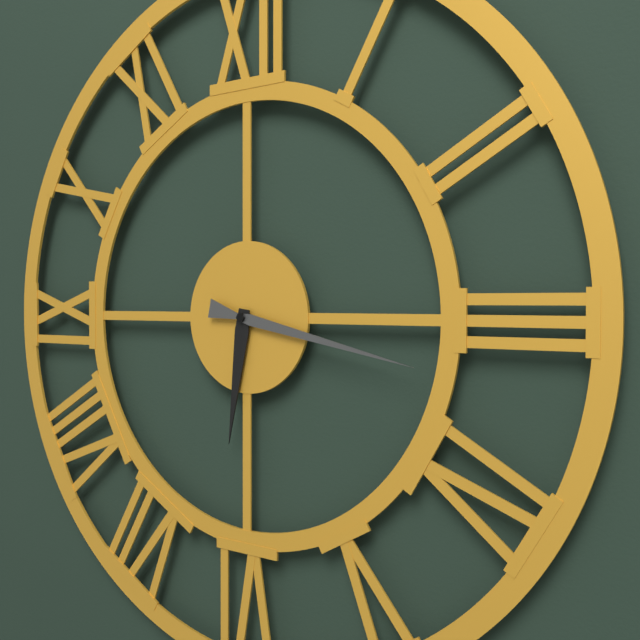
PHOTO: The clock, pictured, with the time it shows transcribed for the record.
6:17
